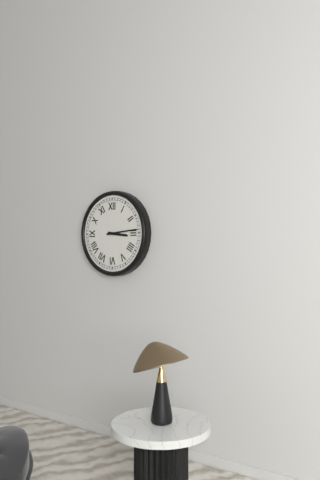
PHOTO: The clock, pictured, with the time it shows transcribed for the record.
3:14
